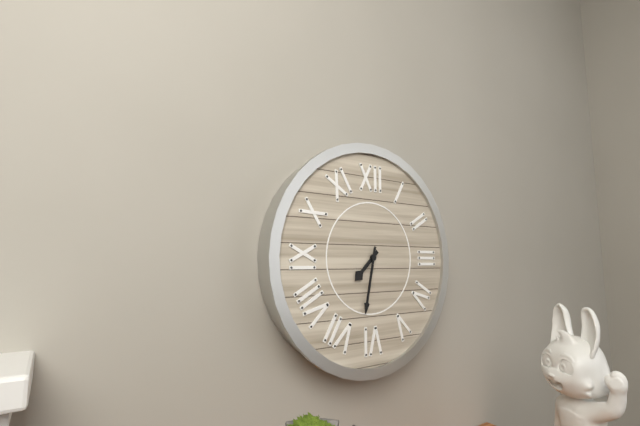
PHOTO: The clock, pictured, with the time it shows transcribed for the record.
7:32
